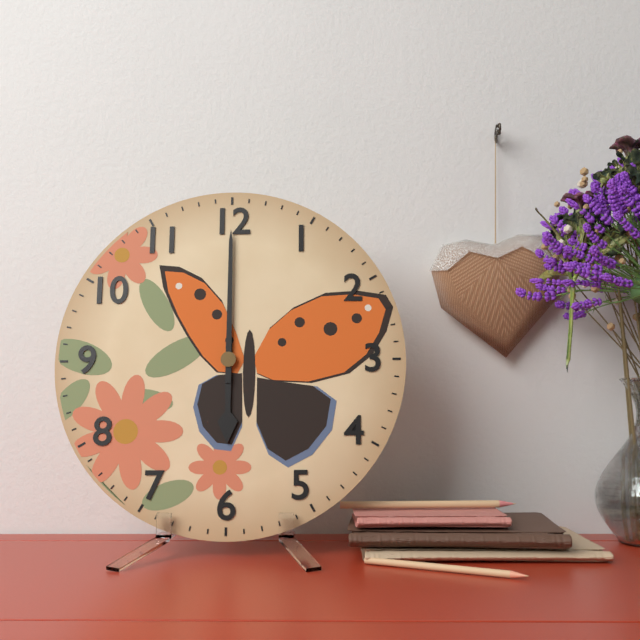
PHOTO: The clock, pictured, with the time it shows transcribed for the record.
6:00
